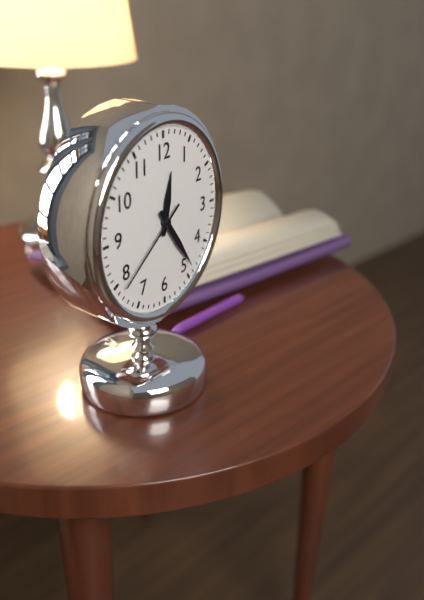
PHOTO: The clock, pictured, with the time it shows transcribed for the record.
12:24:39
